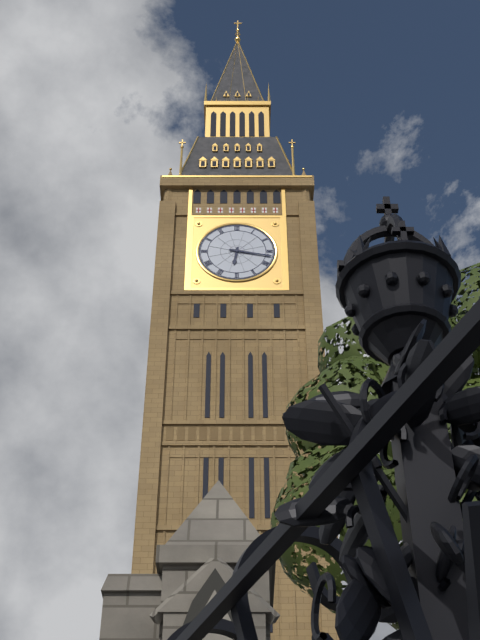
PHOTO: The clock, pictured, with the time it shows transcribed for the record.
6:17
